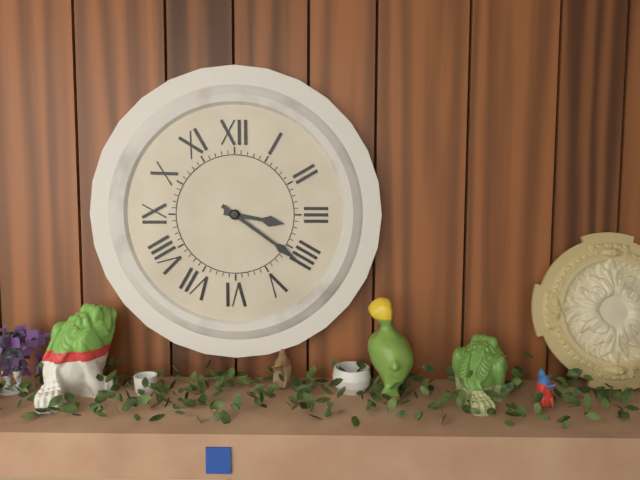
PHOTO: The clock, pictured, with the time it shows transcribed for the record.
3:21
